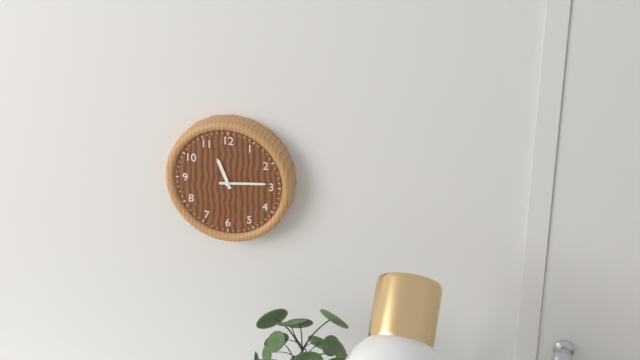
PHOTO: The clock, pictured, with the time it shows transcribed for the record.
11:14
